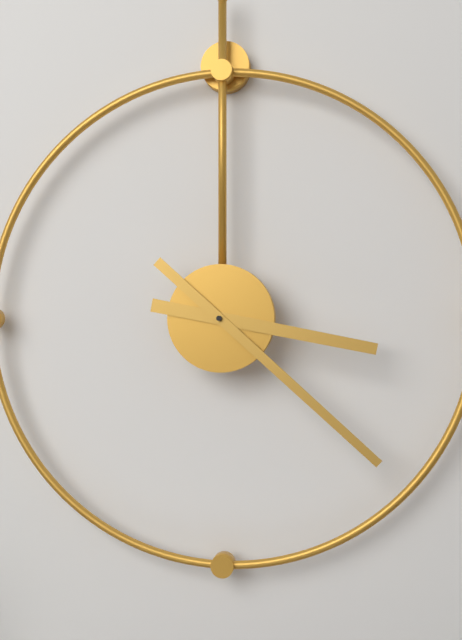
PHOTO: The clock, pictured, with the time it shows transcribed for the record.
3:22
